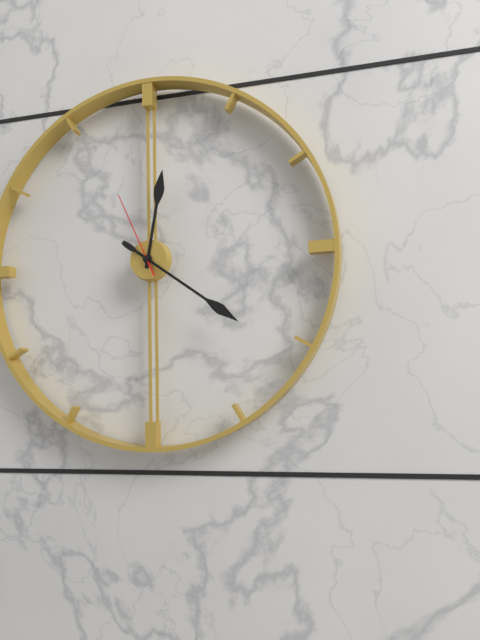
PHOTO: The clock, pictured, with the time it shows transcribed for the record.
12:21:56
